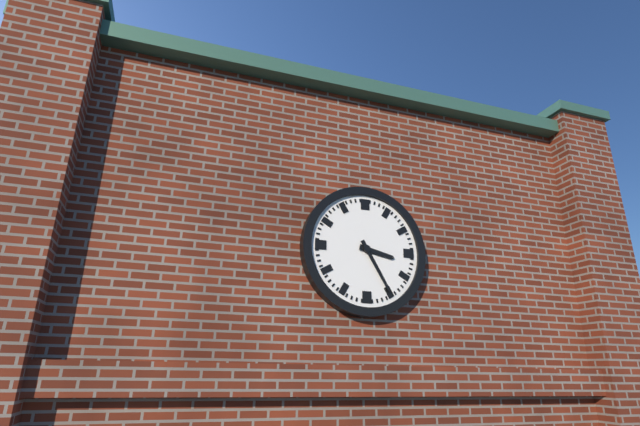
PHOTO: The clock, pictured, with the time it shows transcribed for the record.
3:25
